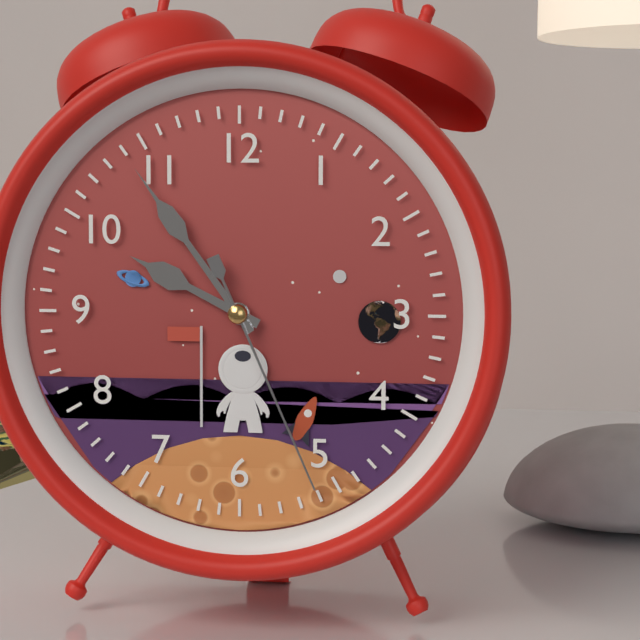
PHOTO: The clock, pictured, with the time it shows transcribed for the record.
9:54:26
